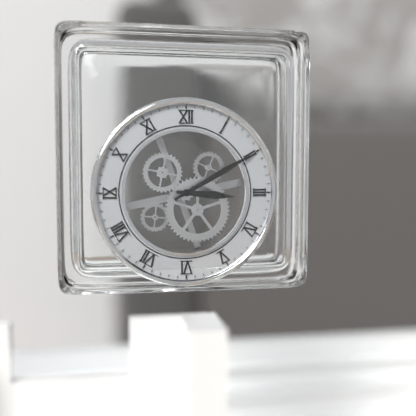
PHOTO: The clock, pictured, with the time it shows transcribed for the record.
3:10
